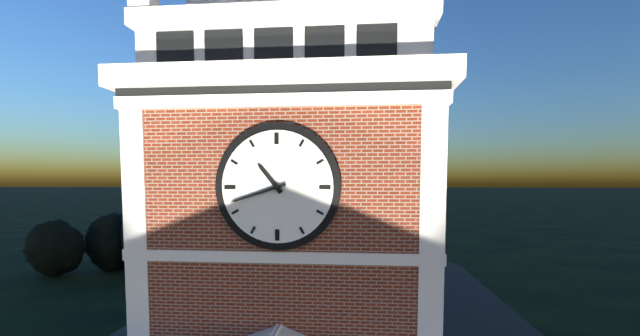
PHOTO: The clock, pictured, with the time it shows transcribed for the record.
10:42
